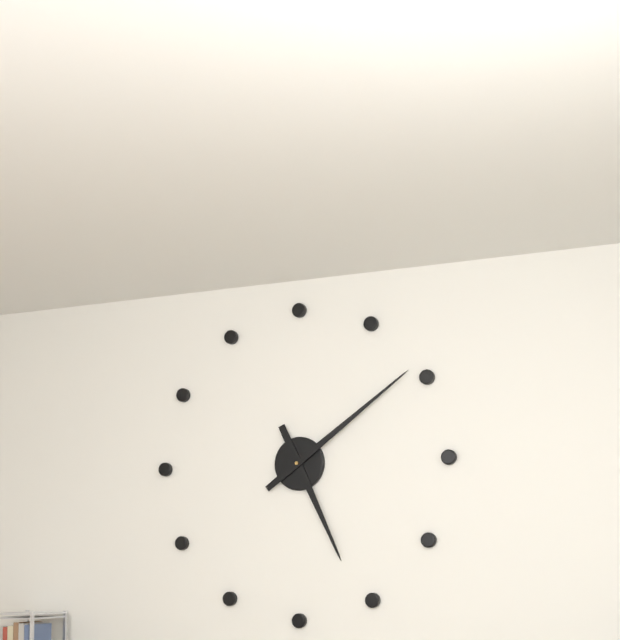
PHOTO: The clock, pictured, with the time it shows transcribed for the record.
5:09
